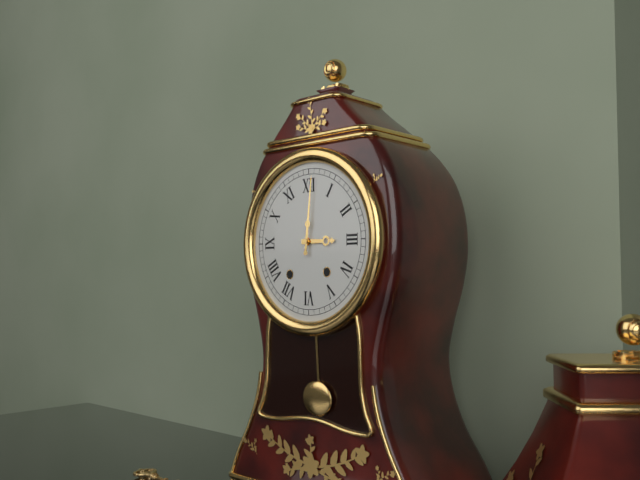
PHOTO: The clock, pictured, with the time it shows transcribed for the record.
3:01
